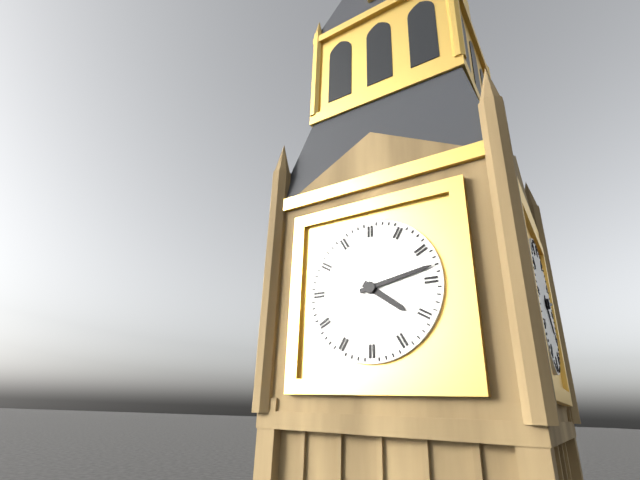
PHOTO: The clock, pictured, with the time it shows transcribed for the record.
4:13
